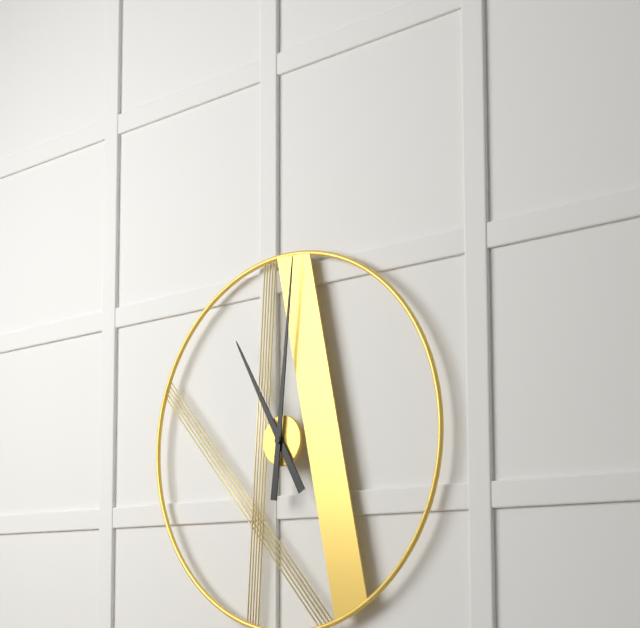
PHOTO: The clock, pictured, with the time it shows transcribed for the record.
11:01
